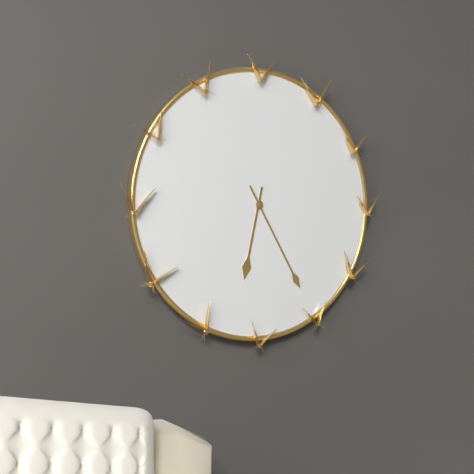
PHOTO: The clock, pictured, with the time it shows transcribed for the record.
6:25
